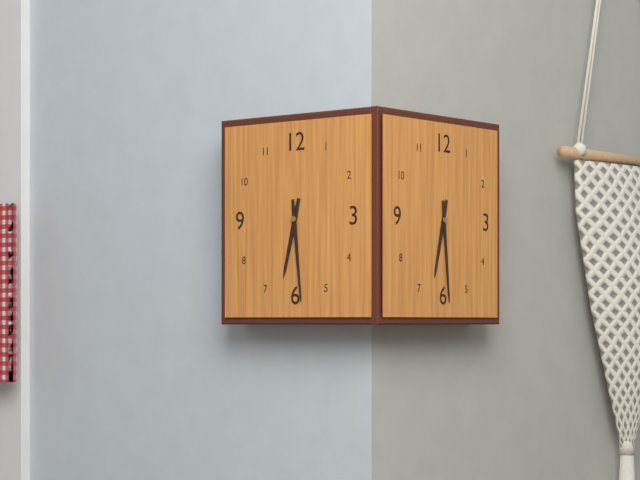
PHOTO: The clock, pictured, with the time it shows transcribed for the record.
6:29
